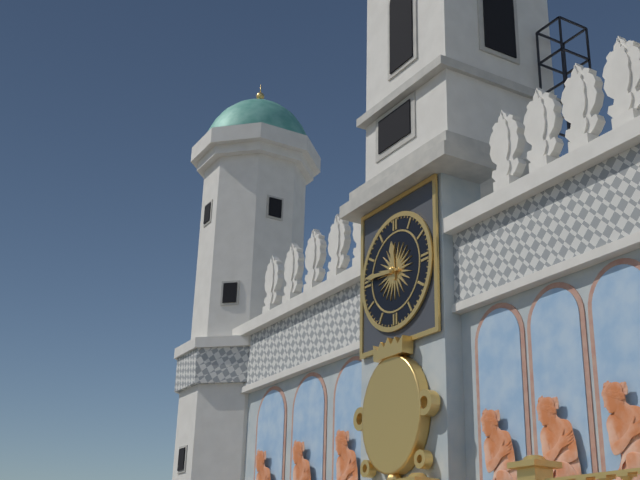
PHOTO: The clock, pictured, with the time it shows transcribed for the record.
11:46
